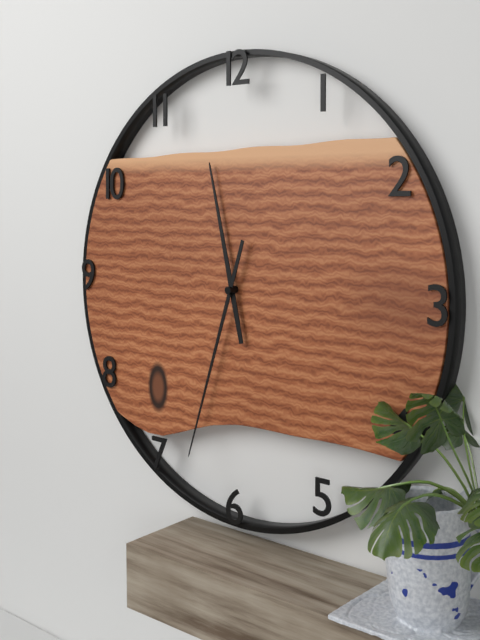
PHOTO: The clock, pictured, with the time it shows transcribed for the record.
11:33
